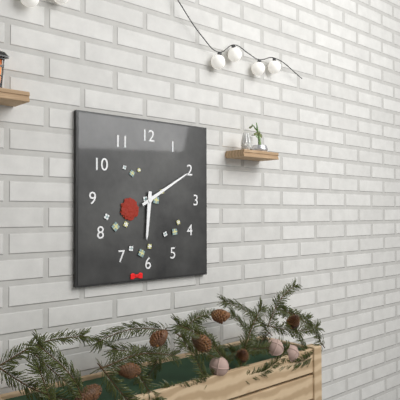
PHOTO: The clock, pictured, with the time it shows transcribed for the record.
6:10
